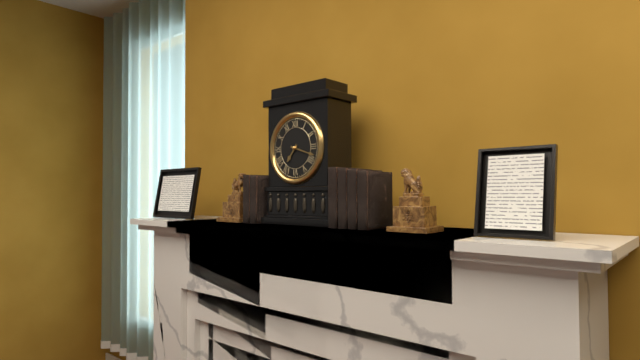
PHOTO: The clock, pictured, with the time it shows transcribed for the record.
7:18
